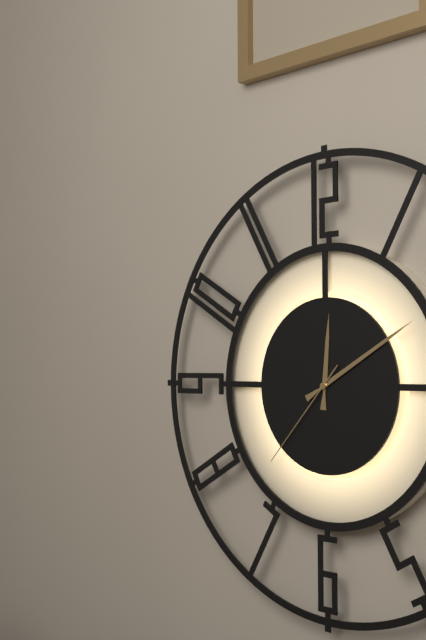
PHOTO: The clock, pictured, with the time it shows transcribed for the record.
12:10:37
